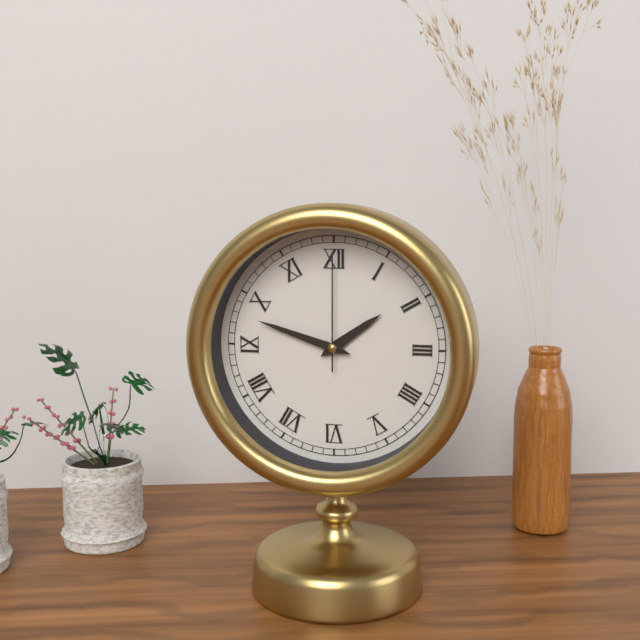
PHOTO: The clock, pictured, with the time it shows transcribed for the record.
1:48:00
